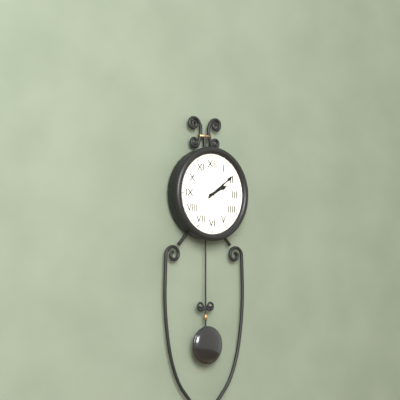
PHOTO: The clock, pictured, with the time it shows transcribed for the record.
2:09
